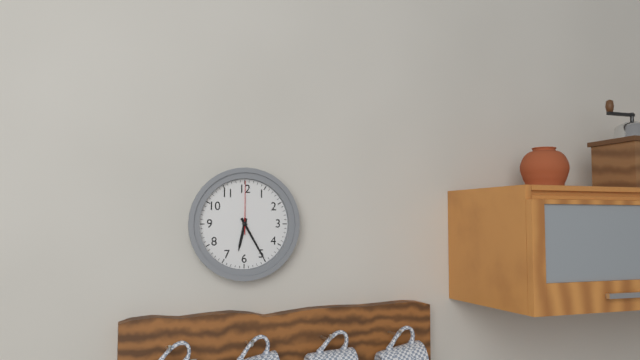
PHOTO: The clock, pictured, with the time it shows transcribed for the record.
6:25:00
